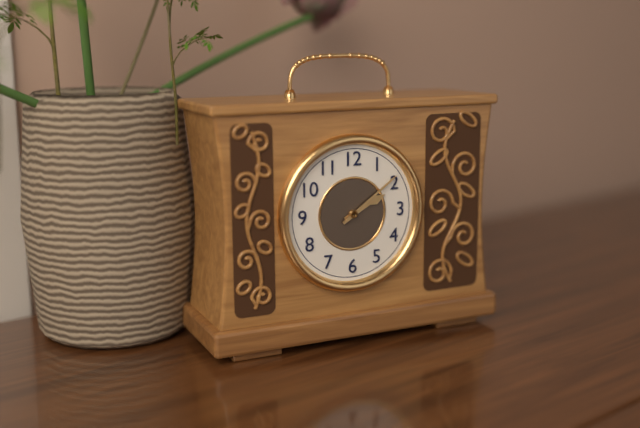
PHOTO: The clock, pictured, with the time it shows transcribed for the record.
2:09
